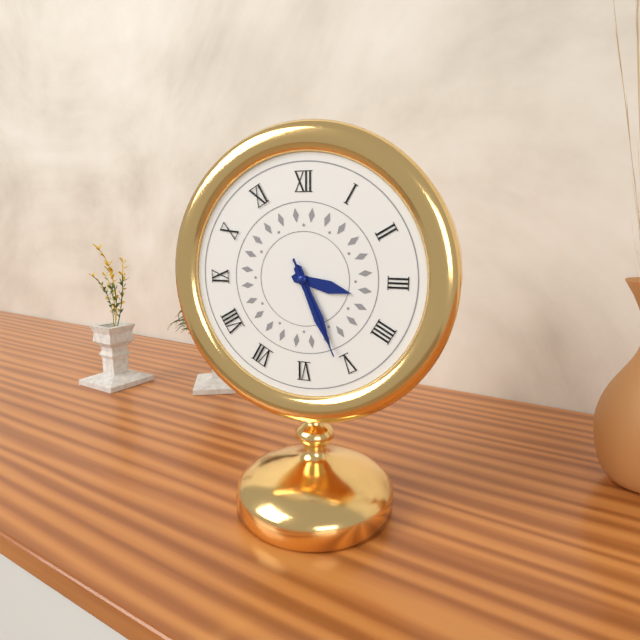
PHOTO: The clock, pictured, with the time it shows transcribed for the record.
3:26:26
